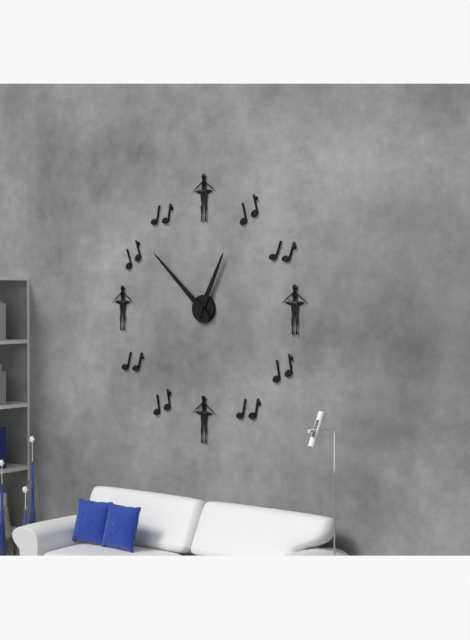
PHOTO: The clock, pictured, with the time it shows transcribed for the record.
12:52
